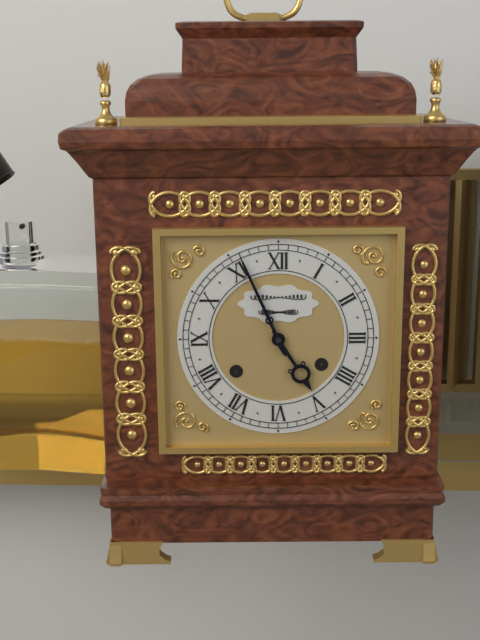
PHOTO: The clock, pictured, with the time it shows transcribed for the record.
4:56
